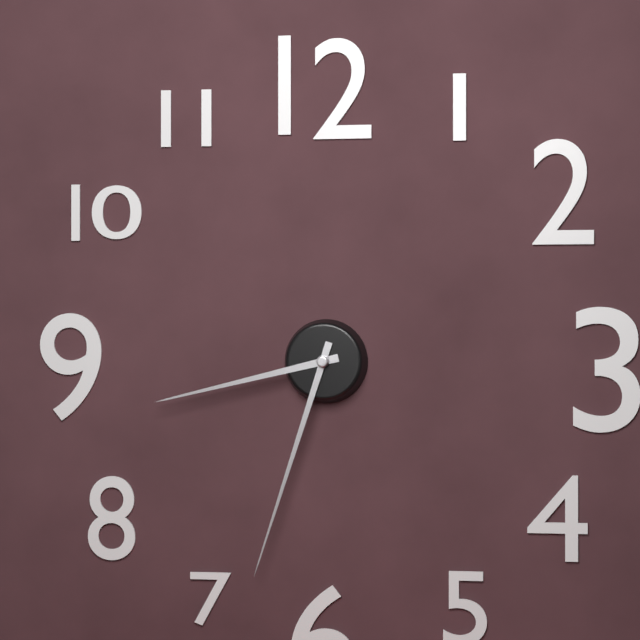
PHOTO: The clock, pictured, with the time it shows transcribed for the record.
8:33
